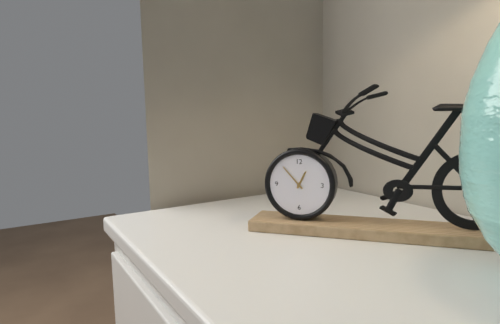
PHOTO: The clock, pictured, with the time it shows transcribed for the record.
12:53
